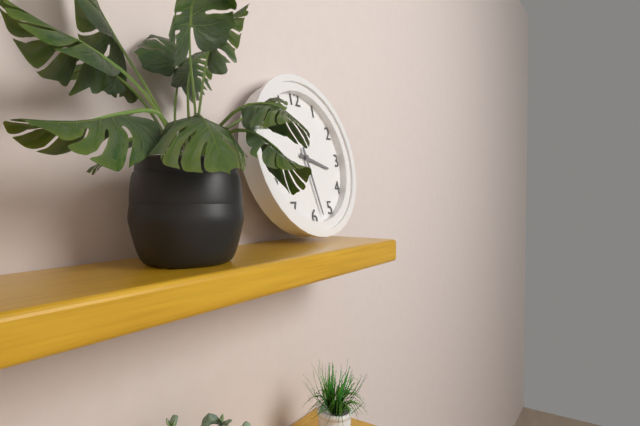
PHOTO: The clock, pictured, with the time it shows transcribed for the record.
3:28
